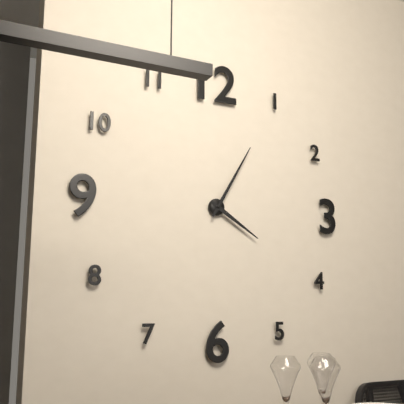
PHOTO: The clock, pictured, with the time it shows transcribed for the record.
4:05
